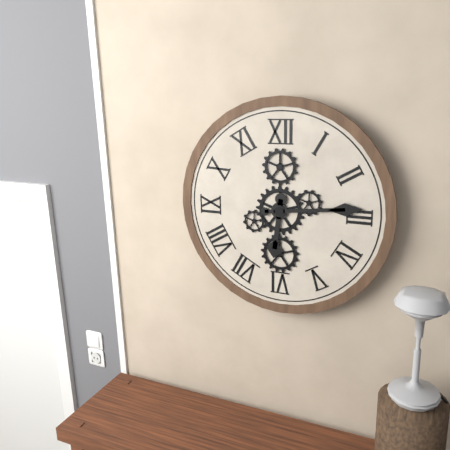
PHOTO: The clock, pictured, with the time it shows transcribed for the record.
6:14
